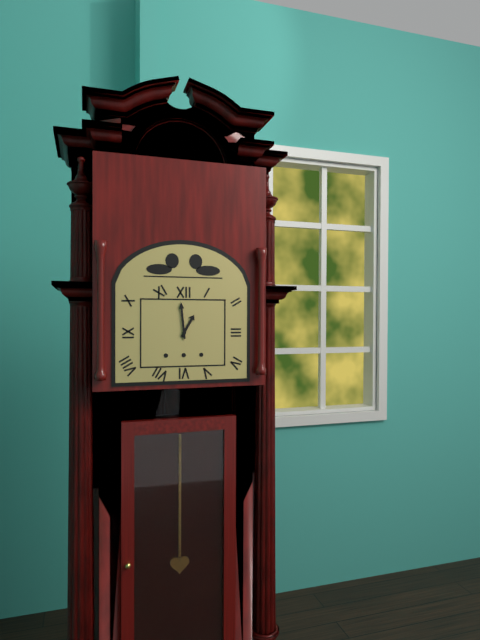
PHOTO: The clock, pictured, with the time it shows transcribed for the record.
12:59
